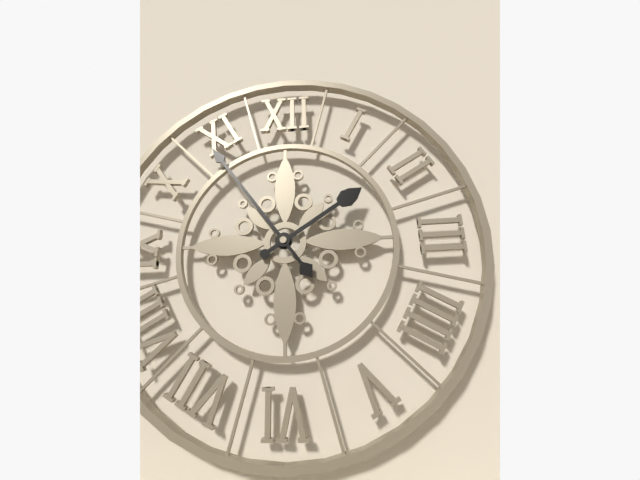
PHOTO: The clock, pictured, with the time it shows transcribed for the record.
1:54
